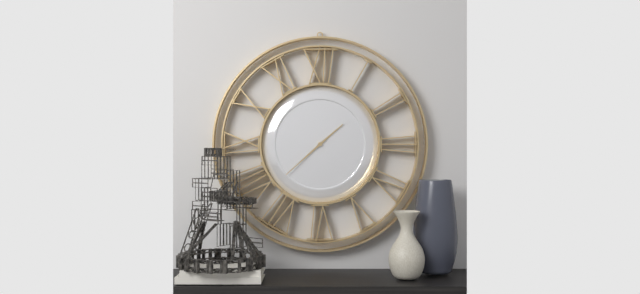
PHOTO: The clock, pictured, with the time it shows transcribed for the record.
1:38
